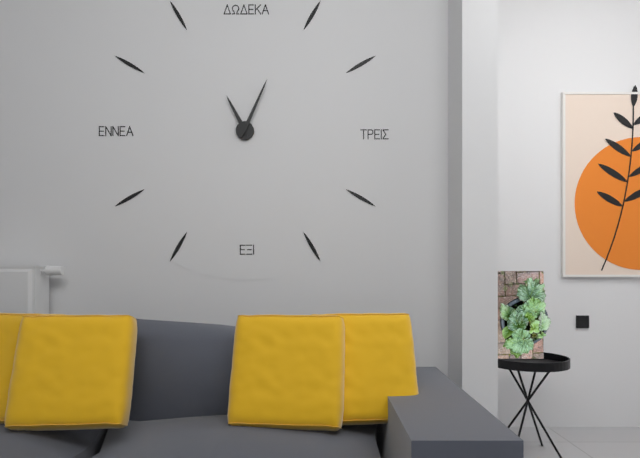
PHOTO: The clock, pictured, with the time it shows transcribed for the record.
11:04
